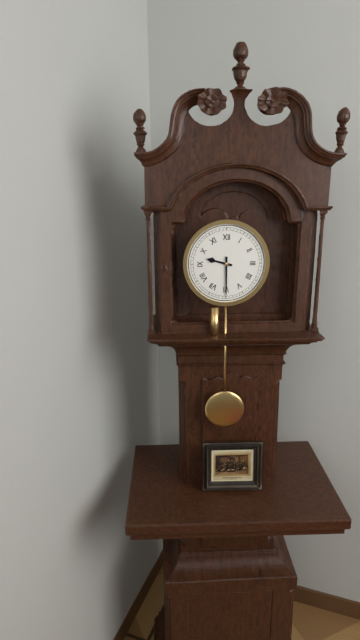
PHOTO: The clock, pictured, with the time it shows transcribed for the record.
9:30
